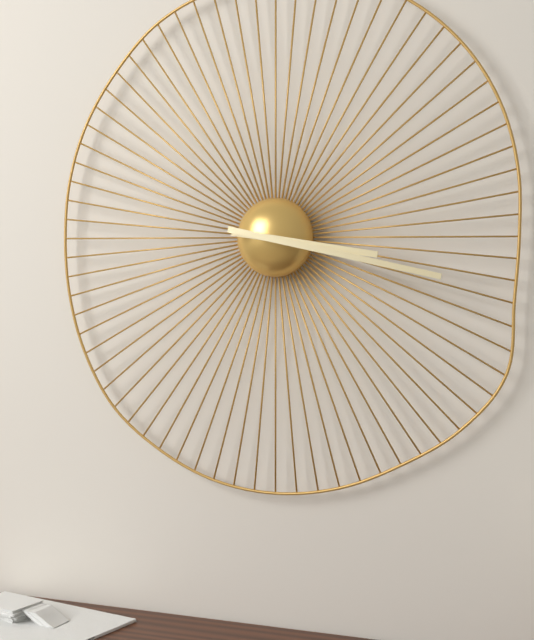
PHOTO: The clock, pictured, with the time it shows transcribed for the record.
3:17
